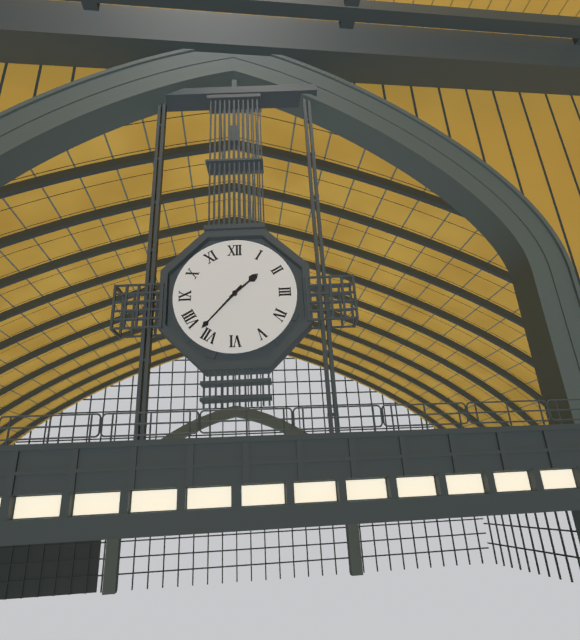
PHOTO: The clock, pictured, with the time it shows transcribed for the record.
1:37
